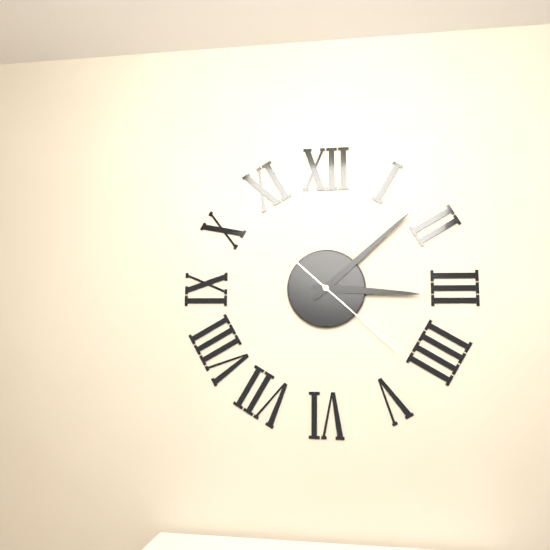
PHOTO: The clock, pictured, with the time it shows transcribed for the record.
3:08:22
